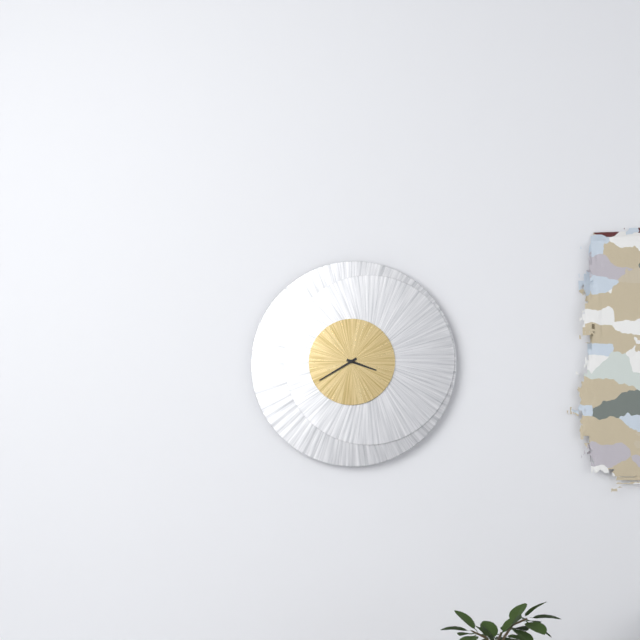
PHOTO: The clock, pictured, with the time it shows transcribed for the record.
3:40
